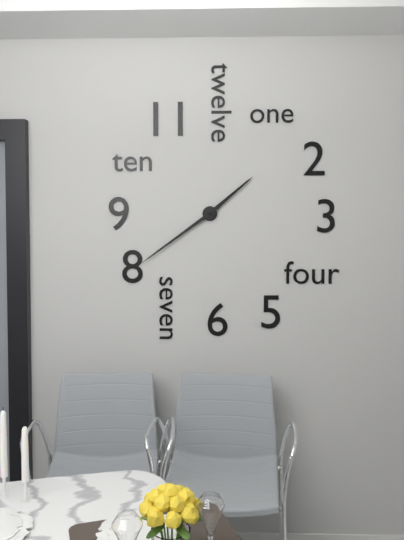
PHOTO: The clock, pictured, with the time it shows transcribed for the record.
1:39
